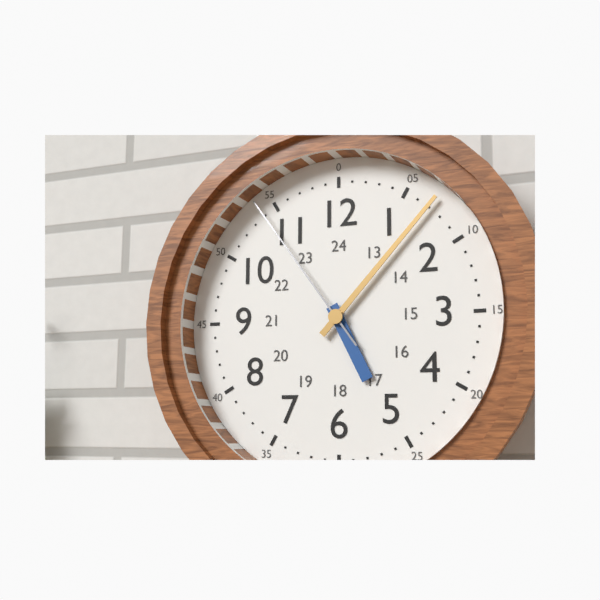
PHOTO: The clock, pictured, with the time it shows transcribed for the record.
5:07:54
